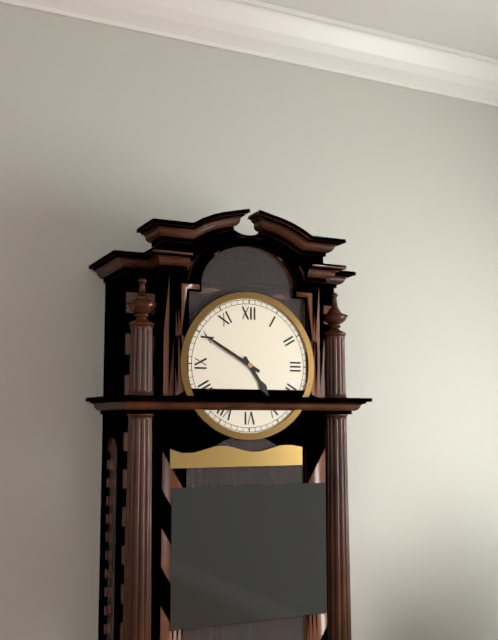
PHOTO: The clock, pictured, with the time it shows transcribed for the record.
4:50
